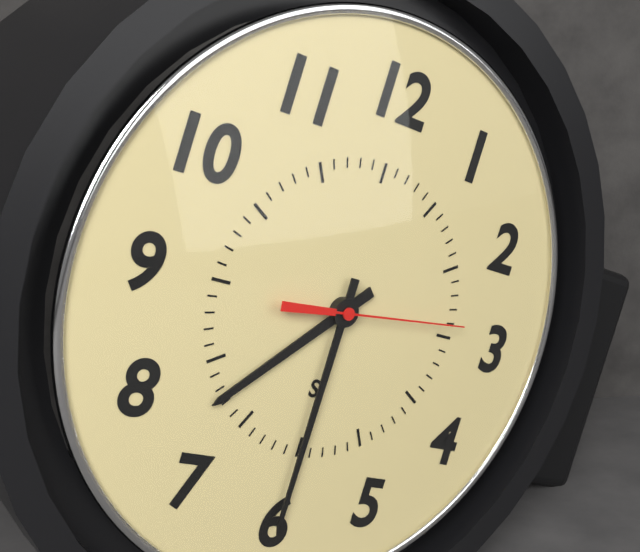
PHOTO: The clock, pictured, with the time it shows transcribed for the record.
7:30:14
